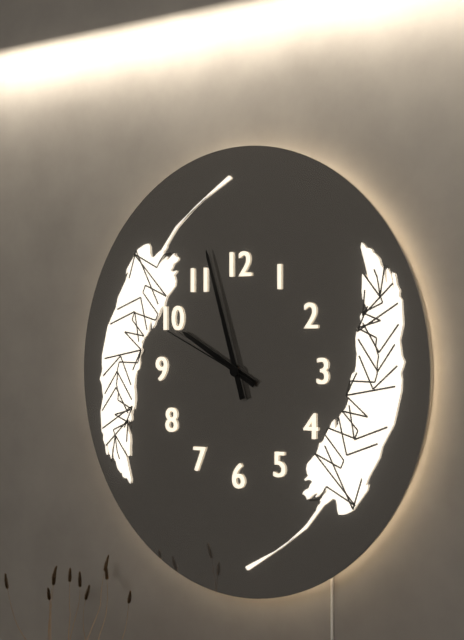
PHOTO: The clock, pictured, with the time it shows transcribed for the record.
9:57:49
